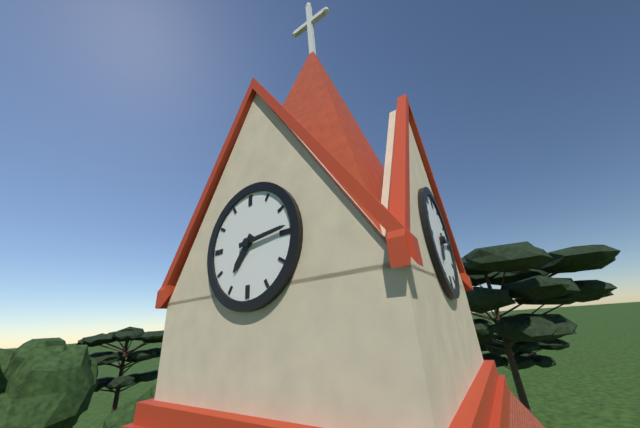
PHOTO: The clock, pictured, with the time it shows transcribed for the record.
7:14
